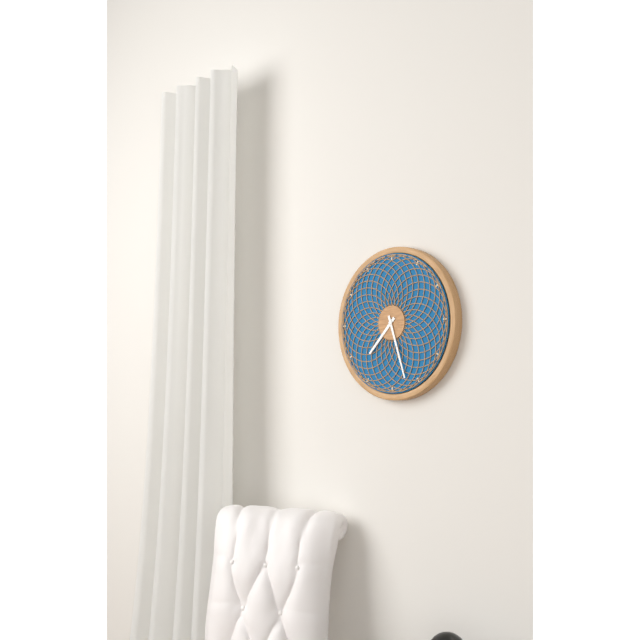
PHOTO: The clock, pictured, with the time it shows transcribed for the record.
7:27
